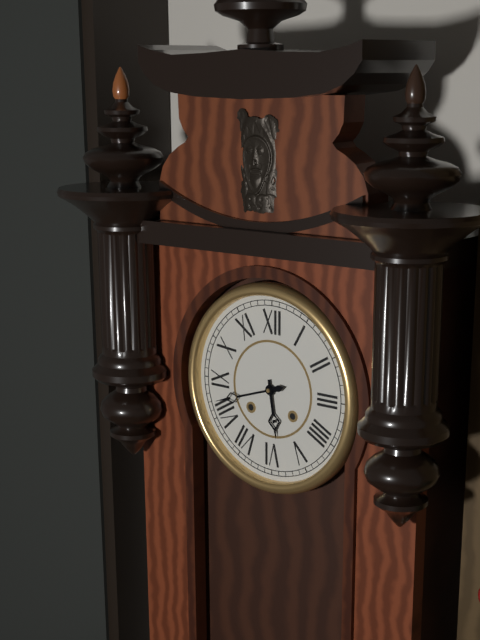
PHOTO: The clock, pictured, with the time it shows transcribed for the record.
5:42
